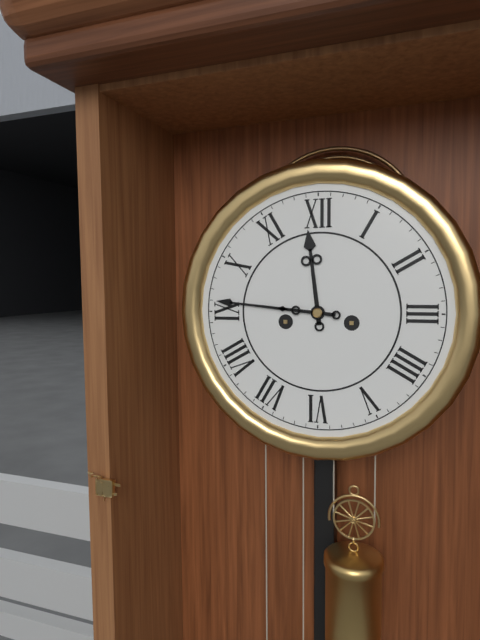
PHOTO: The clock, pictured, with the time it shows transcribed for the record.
11:46
